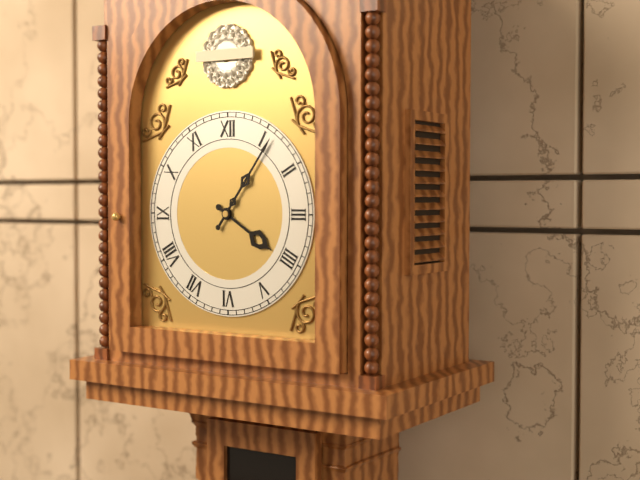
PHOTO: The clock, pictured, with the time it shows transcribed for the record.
4:06
